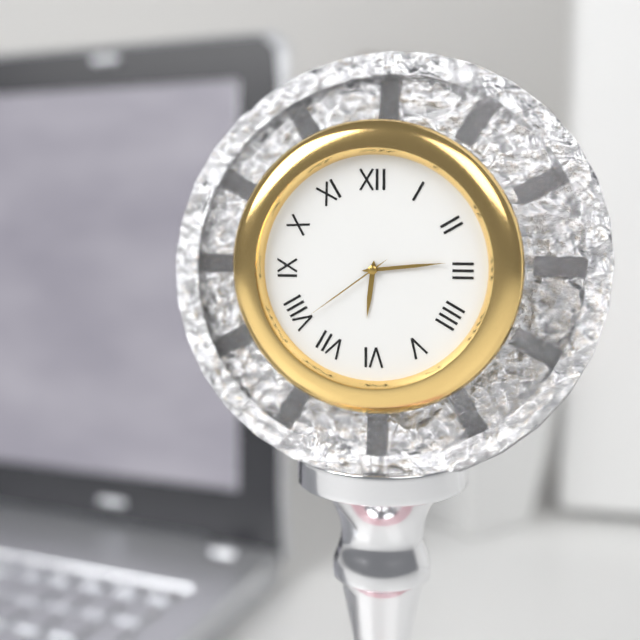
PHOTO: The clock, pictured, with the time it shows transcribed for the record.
6:14:39
